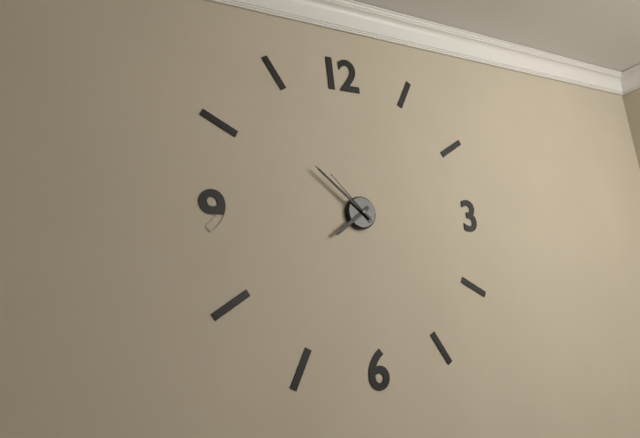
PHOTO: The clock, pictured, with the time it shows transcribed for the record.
7:52:53
